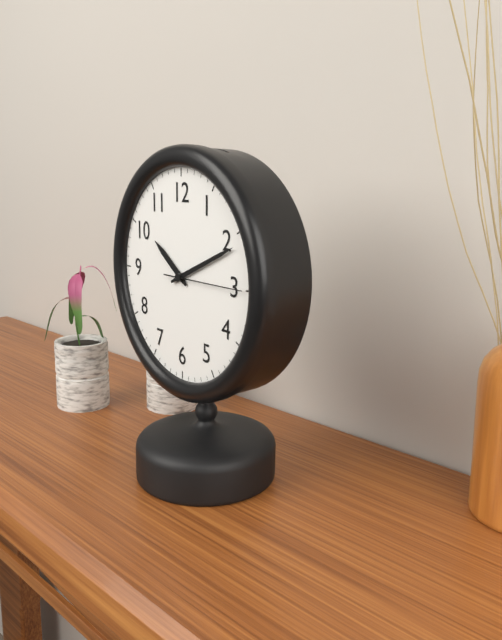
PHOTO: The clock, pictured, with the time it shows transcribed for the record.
10:11:15
